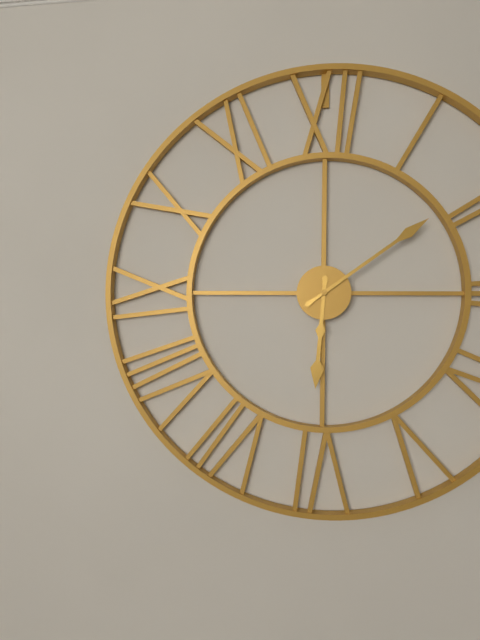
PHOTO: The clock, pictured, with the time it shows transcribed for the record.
6:09
